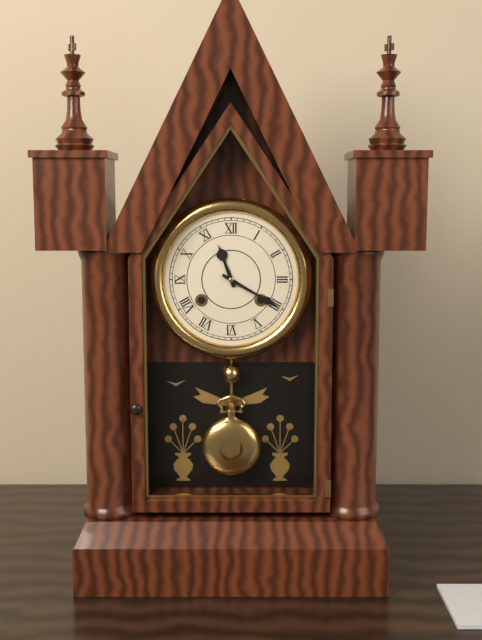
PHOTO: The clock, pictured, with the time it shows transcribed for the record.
11:20
